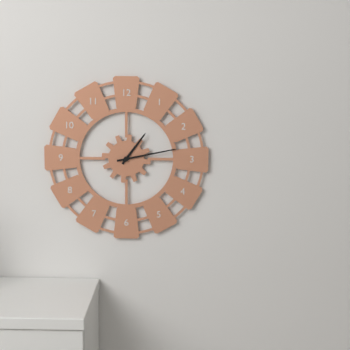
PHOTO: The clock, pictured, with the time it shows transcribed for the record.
1:13
